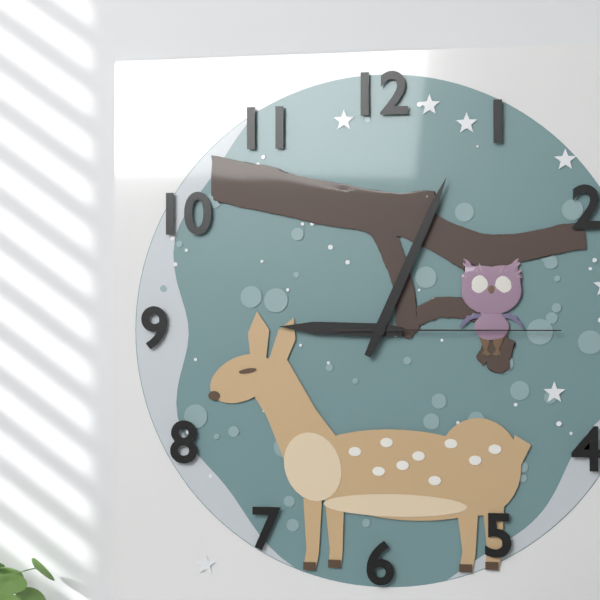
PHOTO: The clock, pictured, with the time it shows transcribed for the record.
9:04:15
